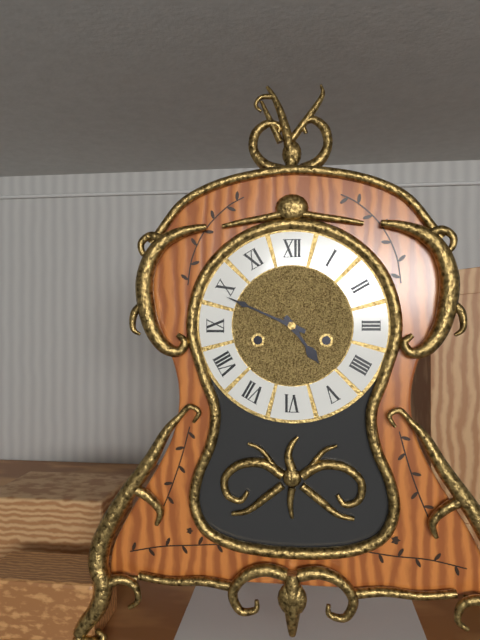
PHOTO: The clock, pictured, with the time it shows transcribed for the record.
4:49
